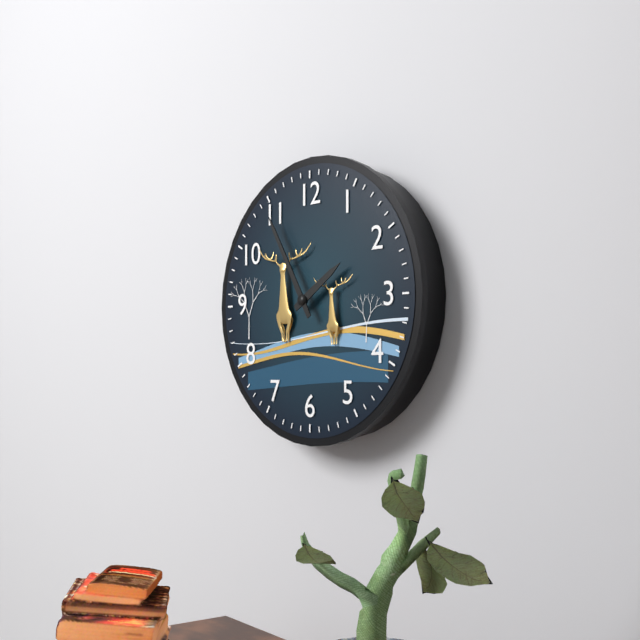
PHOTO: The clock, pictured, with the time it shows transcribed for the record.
1:55
